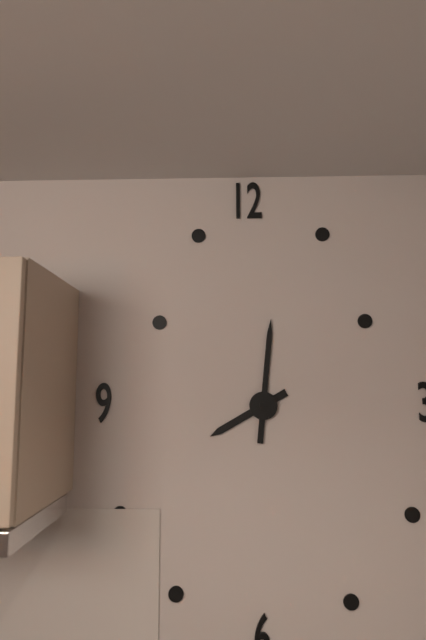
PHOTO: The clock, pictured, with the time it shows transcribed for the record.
8:01
